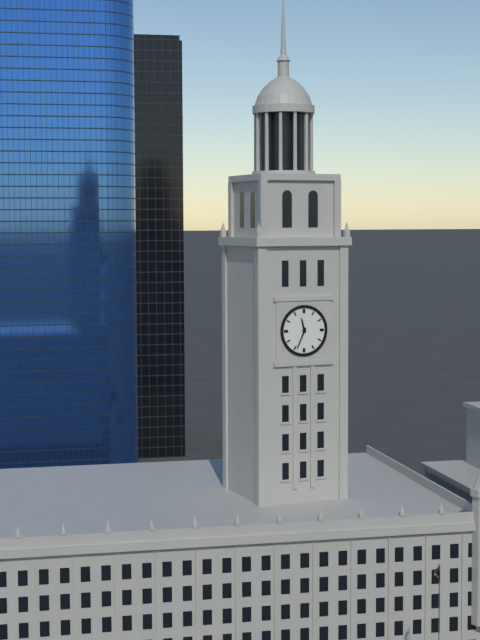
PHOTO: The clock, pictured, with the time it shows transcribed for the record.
11:34
